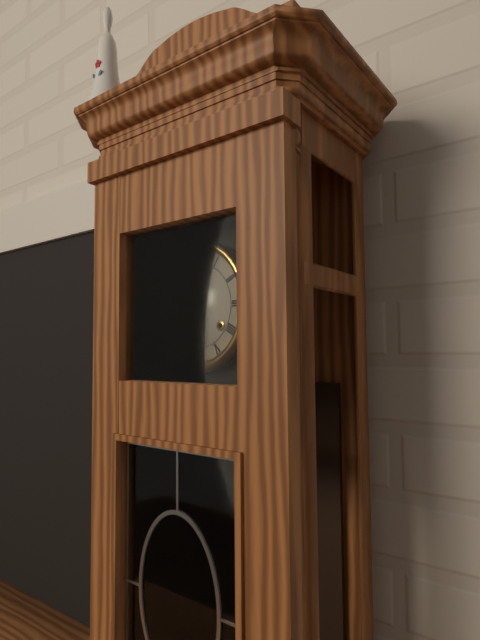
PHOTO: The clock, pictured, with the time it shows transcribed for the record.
7:27
